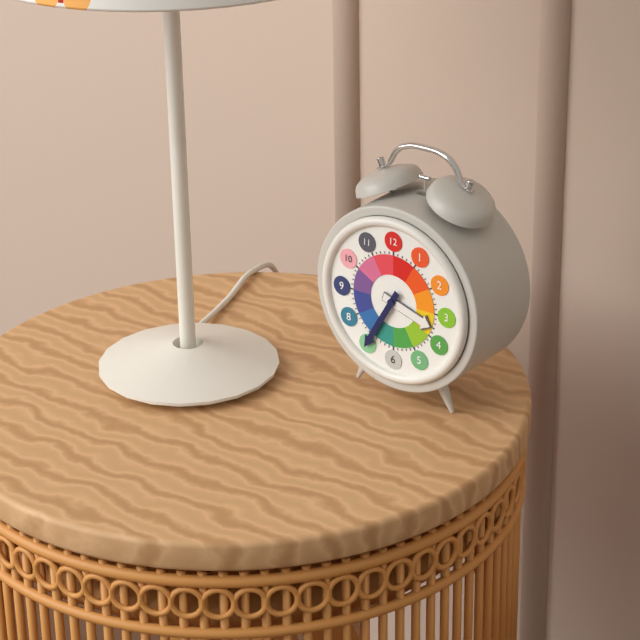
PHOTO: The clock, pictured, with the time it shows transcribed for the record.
3:35
